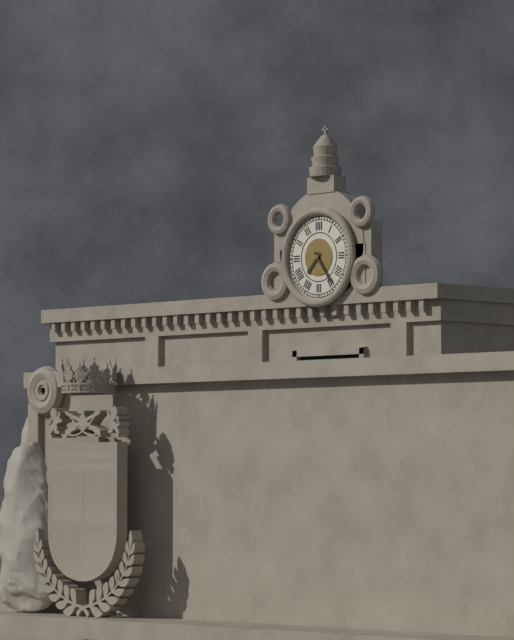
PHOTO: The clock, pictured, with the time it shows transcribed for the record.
7:24
